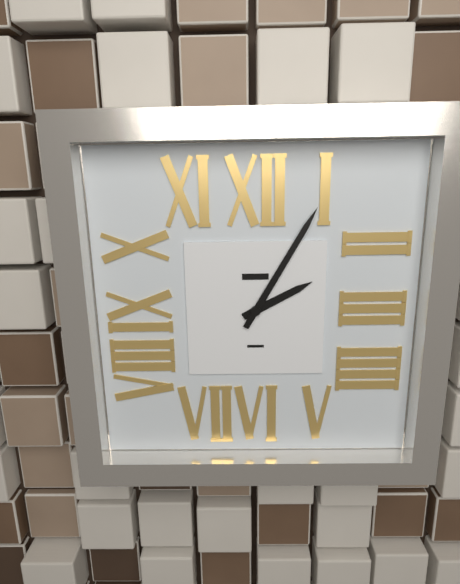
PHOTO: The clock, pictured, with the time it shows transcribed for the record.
2:05
